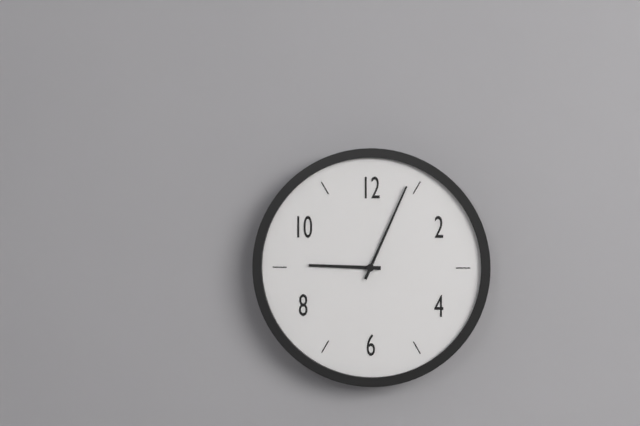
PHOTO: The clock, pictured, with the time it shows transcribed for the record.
9:04
